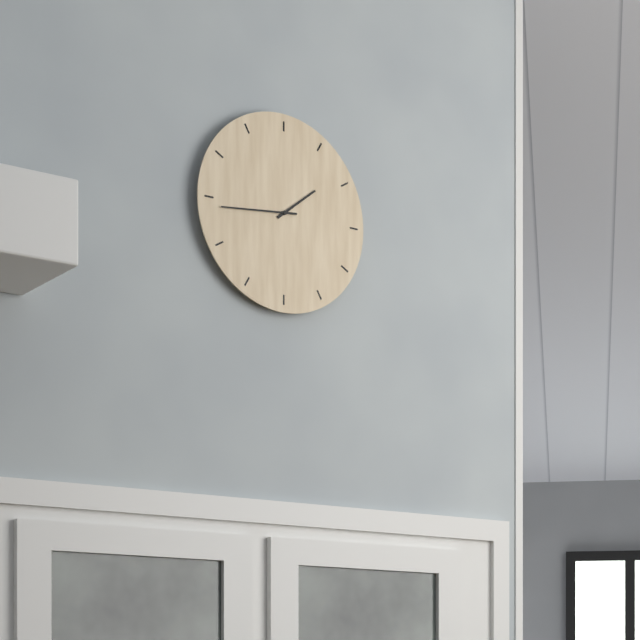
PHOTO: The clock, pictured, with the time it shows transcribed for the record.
1:44
